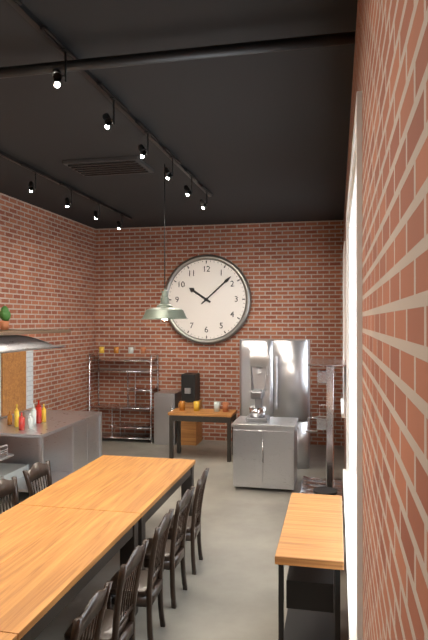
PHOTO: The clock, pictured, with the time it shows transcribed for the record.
10:08
